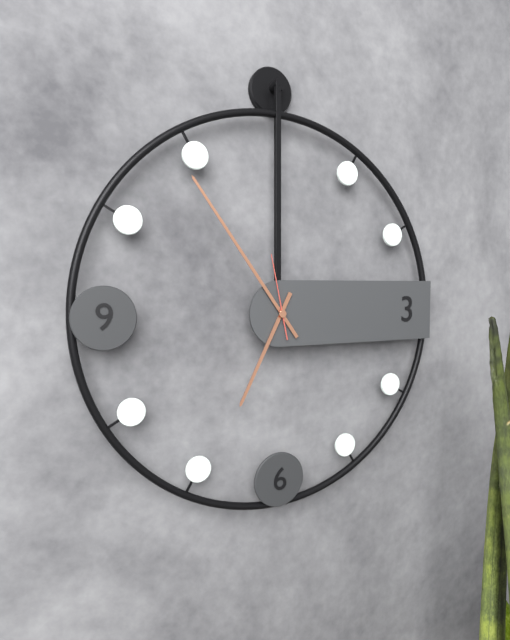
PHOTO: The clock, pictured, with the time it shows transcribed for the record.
6:54:58
